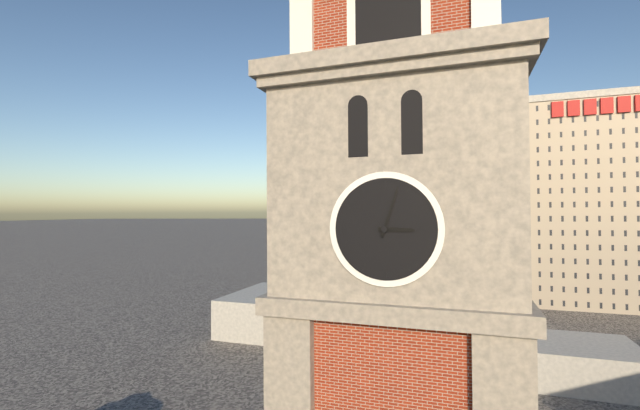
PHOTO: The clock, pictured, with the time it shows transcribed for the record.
3:03
